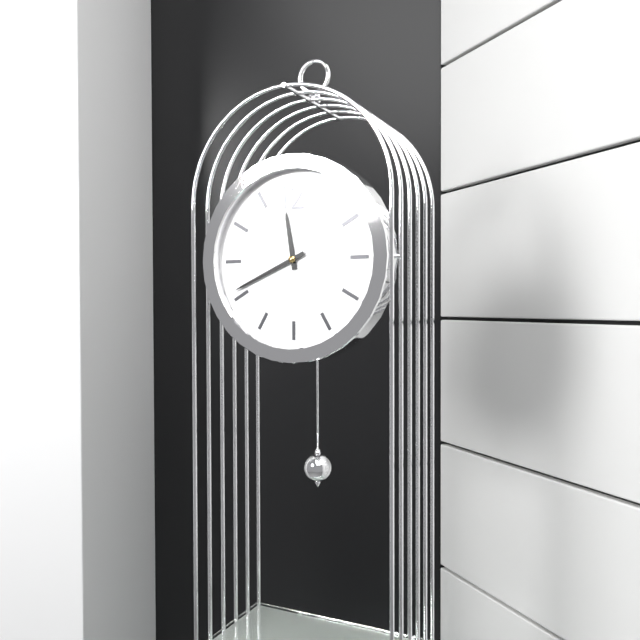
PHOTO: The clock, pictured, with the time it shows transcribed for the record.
11:41
